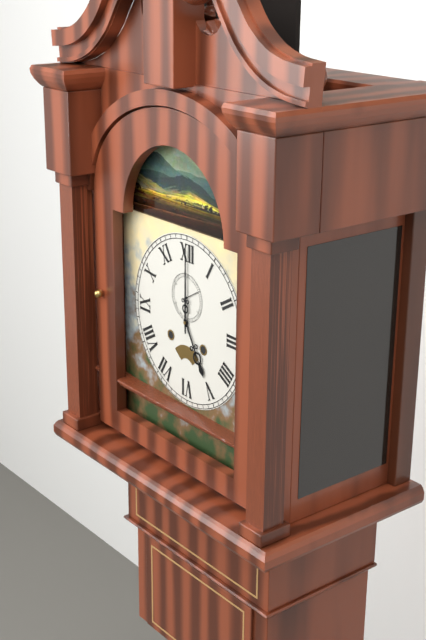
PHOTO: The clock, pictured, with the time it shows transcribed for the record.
5:00
